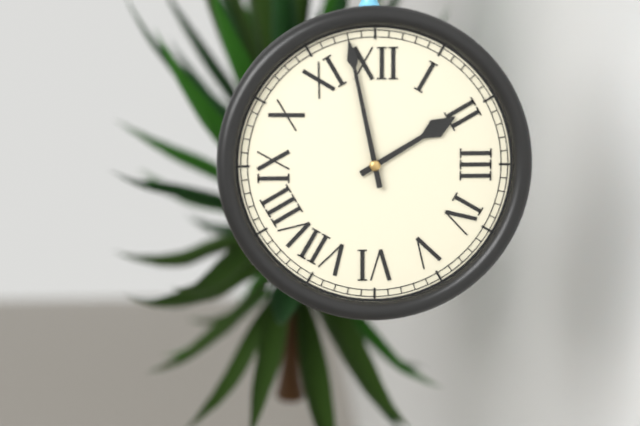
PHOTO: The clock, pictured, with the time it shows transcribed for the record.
1:58
